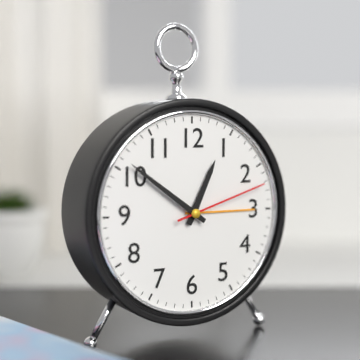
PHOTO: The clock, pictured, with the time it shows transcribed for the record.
12:51:12
